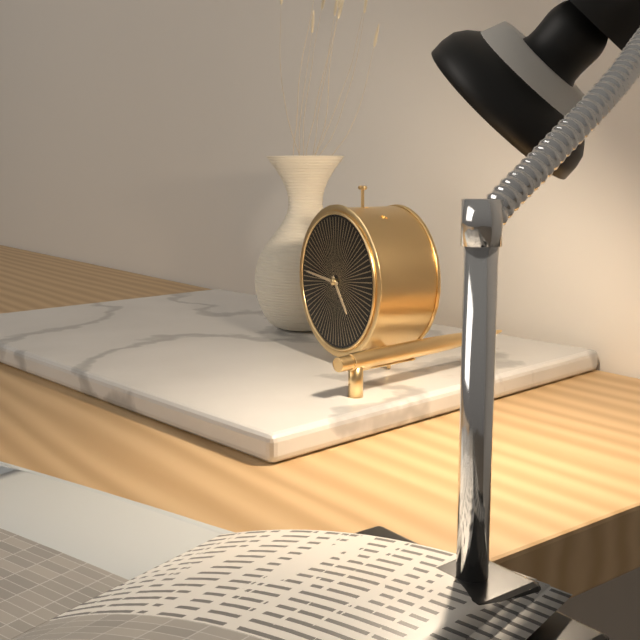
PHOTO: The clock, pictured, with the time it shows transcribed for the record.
4:46
